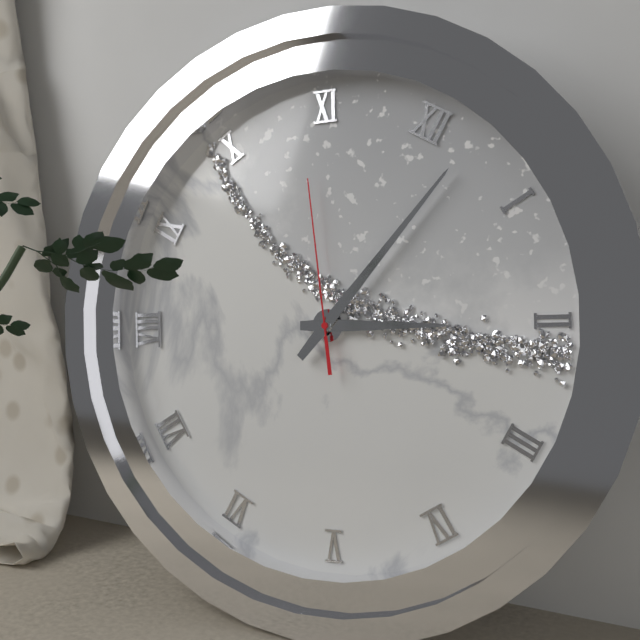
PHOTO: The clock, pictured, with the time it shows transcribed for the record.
2:02:54
